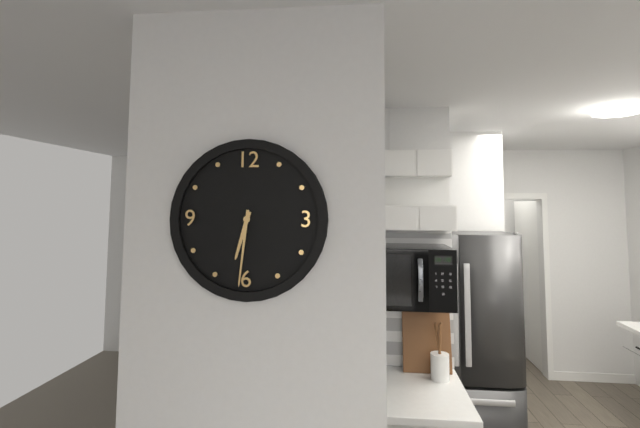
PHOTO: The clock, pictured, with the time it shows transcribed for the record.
6:31
